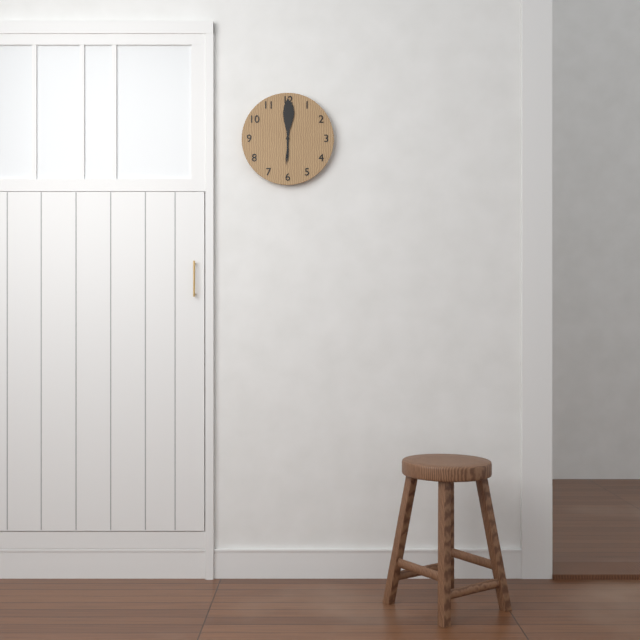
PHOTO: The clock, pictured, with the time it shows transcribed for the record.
6:00
